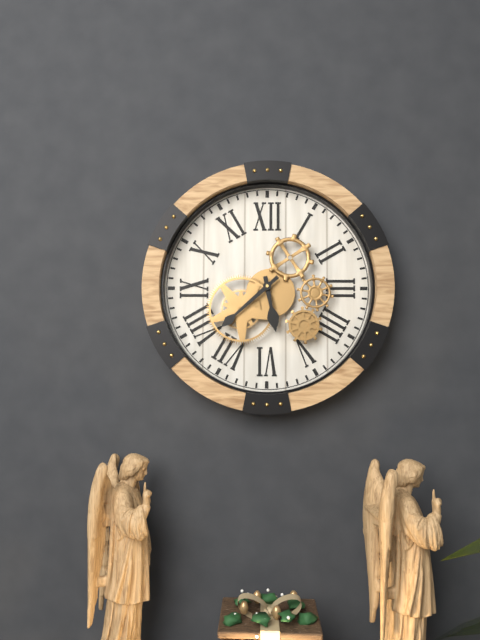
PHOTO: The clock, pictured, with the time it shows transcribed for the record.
5:38
